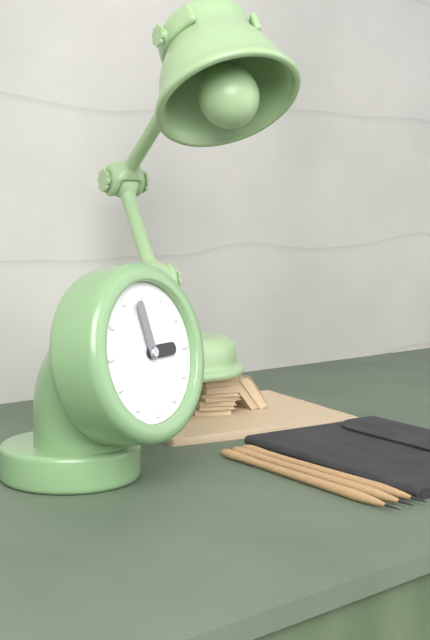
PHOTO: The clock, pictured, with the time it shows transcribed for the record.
2:58
